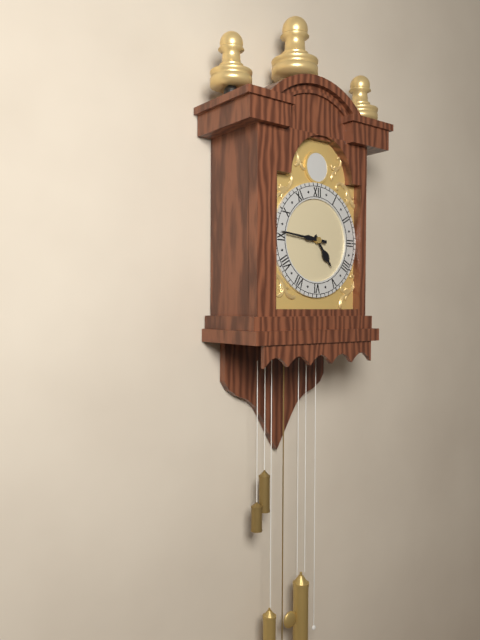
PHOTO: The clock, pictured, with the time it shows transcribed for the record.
4:46
